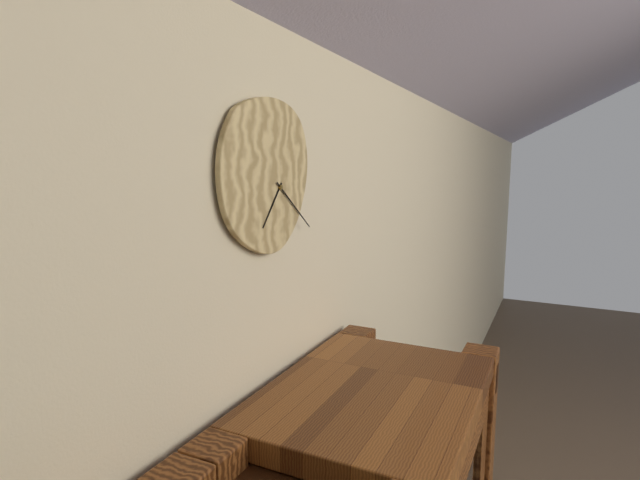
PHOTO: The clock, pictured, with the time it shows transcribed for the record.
7:21
